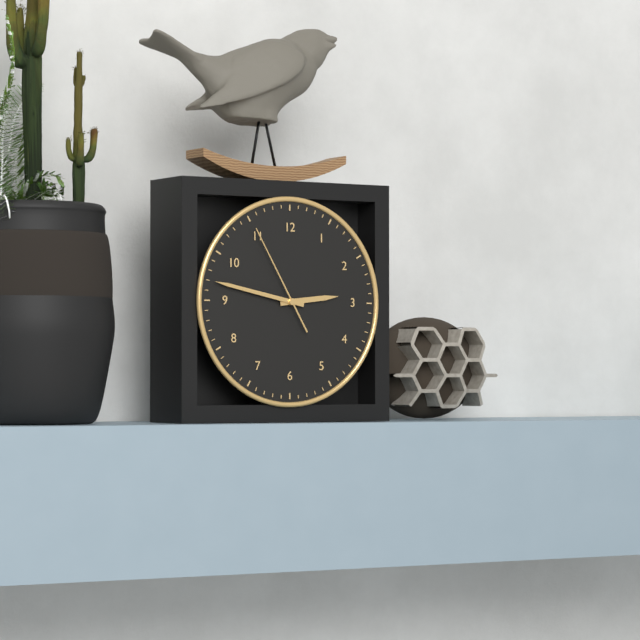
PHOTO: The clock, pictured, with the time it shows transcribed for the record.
2:47:55
